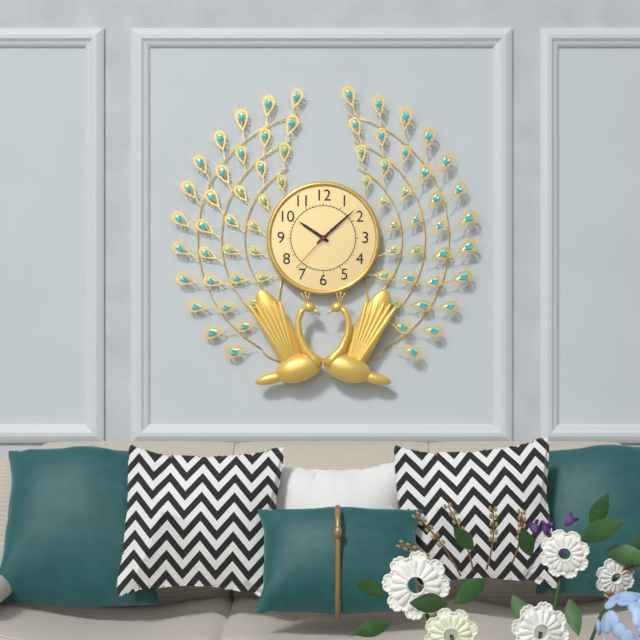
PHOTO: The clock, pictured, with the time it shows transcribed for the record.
10:08:37
